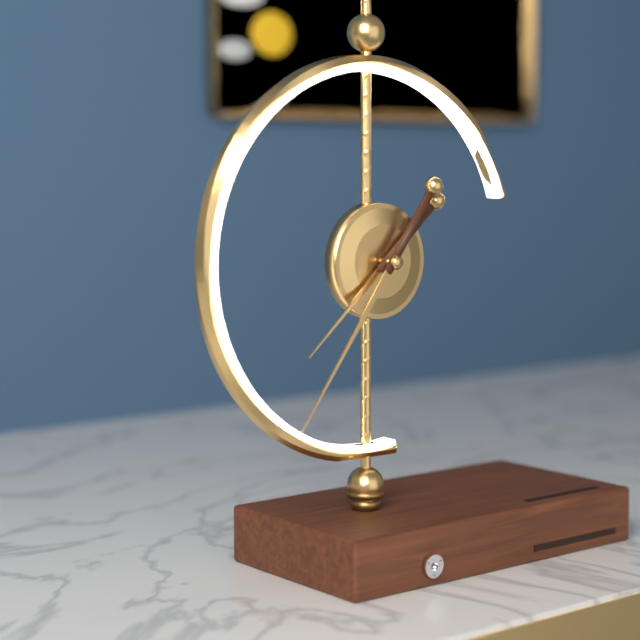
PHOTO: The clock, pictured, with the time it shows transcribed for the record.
7:36
